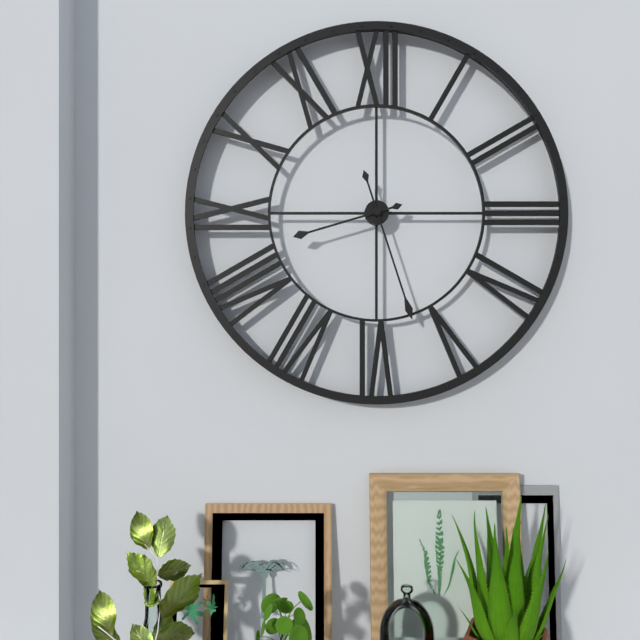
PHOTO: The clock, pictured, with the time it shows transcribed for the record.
8:27
